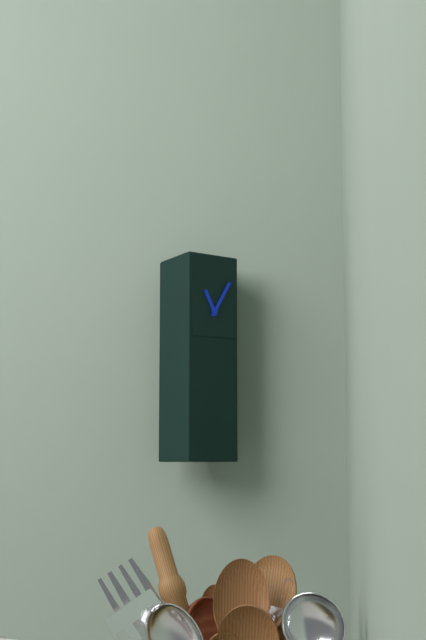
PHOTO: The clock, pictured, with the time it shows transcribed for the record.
11:05
